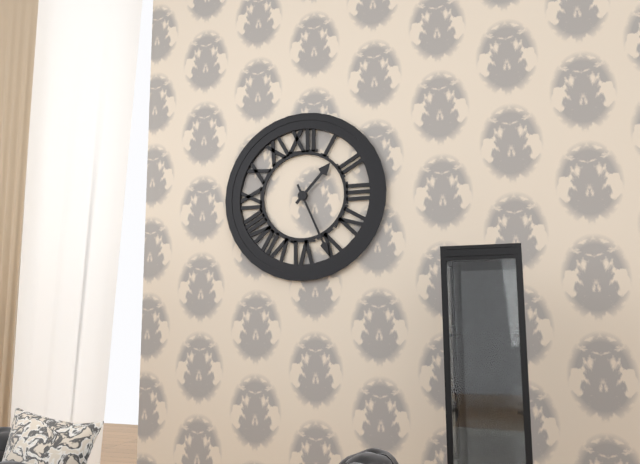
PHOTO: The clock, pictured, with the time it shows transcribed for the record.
1:26
